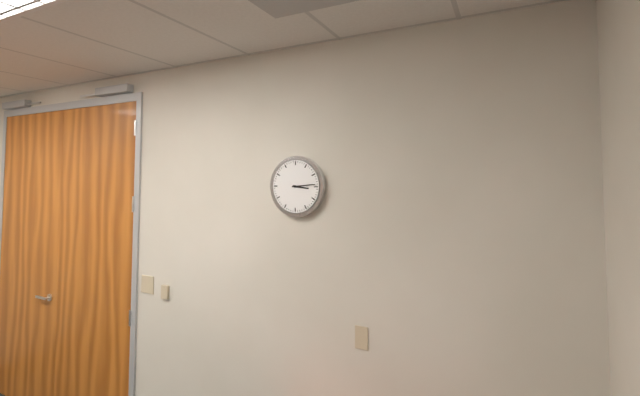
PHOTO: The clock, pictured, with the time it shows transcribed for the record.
3:14
